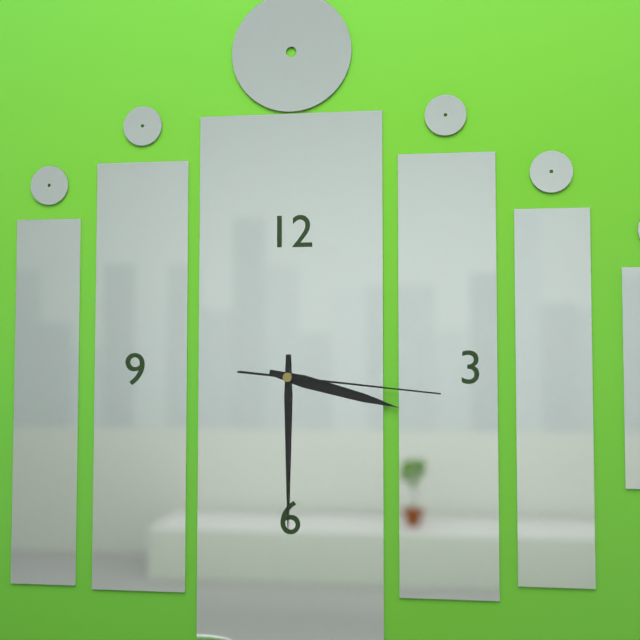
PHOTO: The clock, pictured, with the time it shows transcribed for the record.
3:30:16
